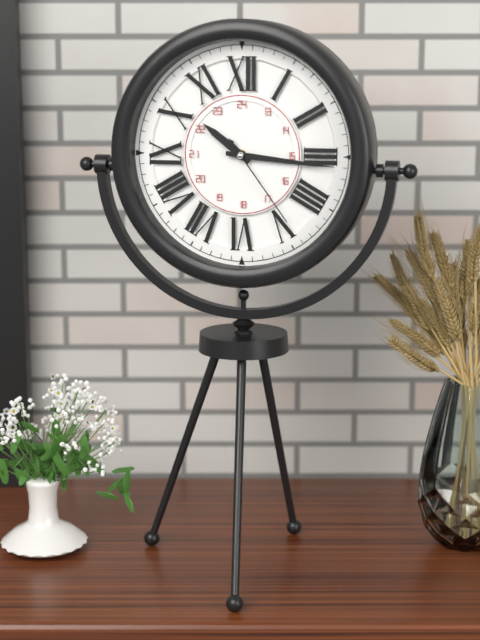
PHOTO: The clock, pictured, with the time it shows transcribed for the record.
10:16:24
